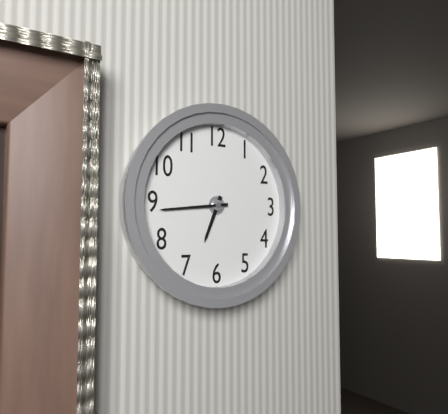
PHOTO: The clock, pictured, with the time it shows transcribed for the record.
6:44
